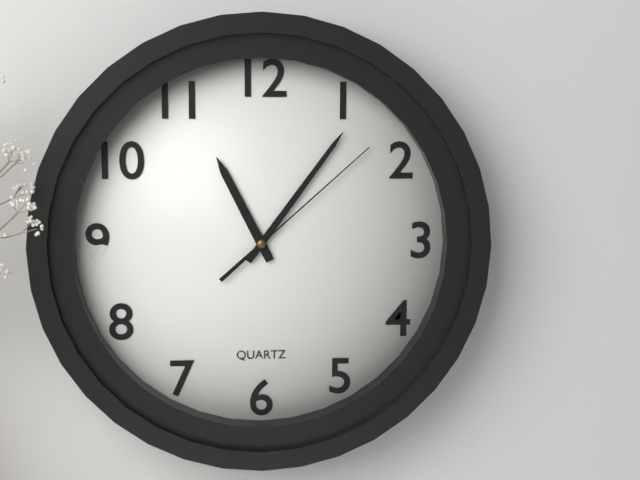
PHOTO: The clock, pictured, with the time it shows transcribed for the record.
11:06:08
